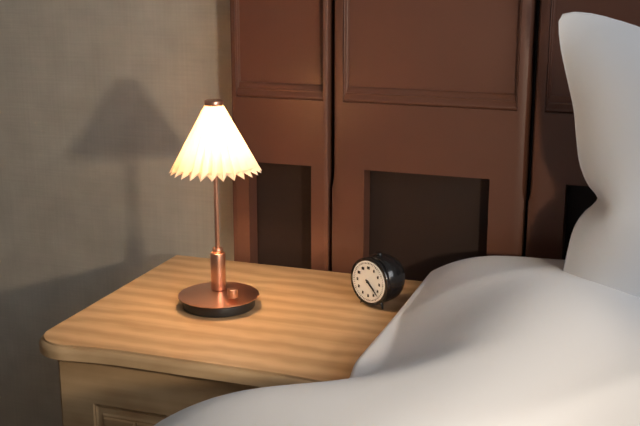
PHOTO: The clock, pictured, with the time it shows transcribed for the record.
4:22
